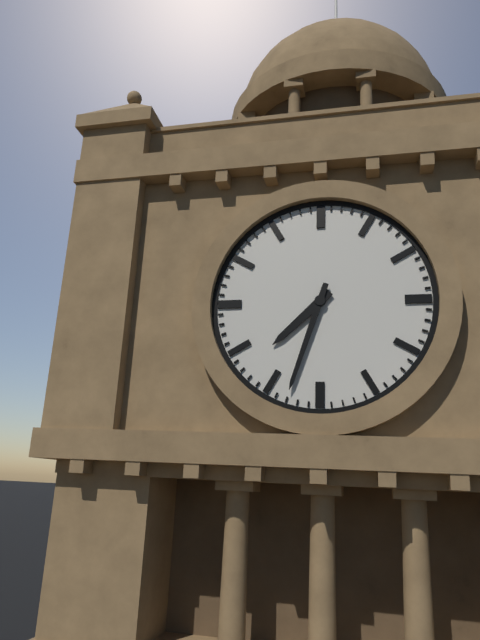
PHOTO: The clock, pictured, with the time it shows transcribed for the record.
7:33
